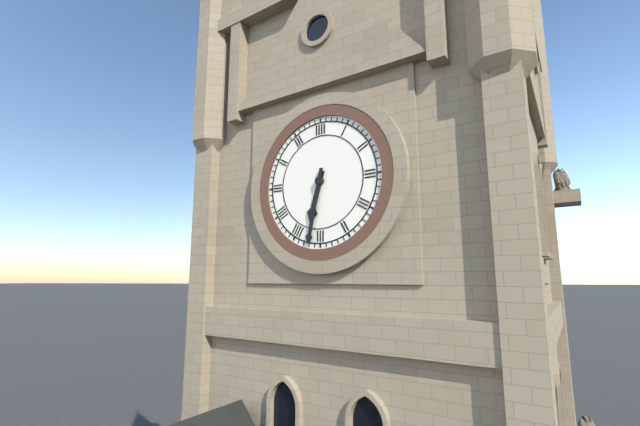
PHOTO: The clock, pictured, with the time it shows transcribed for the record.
6:32
